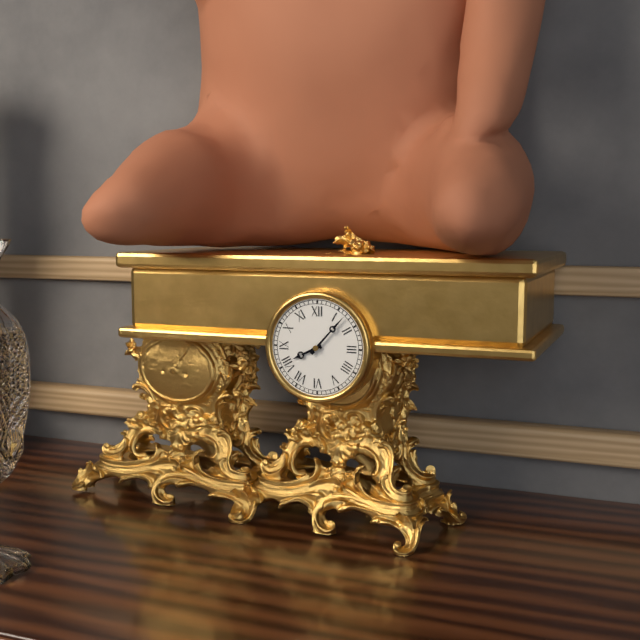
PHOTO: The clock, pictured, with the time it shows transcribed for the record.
8:07
